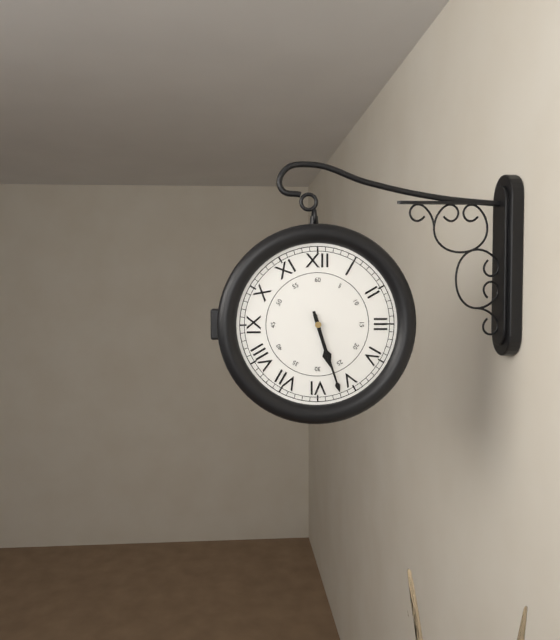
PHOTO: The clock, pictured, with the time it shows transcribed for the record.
5:27
